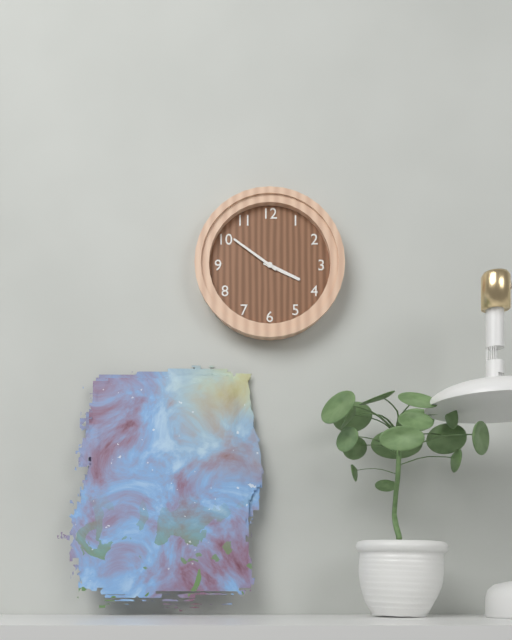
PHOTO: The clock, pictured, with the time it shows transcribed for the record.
3:51
